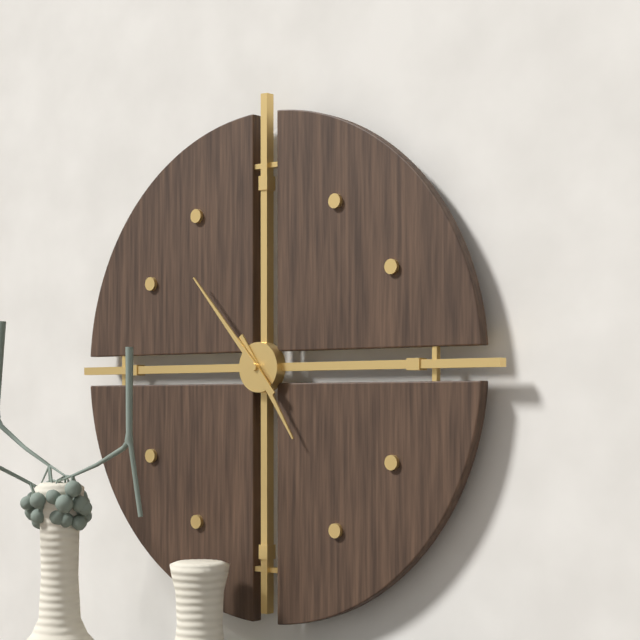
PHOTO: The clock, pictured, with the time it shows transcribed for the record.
4:53
